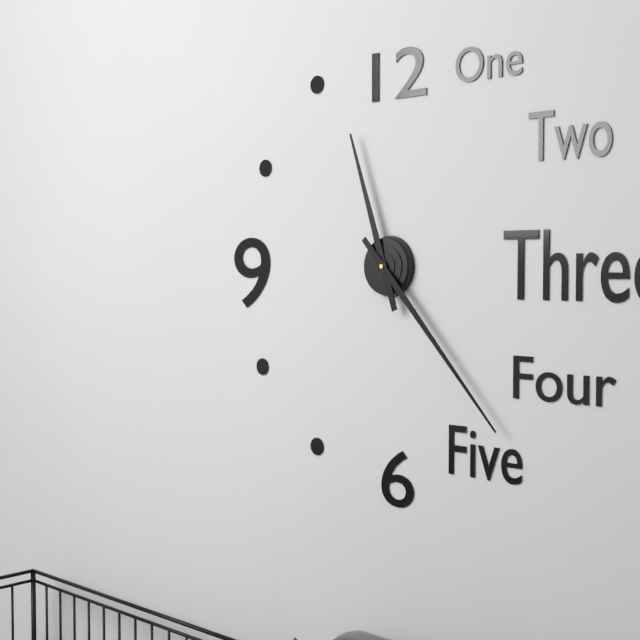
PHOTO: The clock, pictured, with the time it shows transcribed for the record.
11:23
